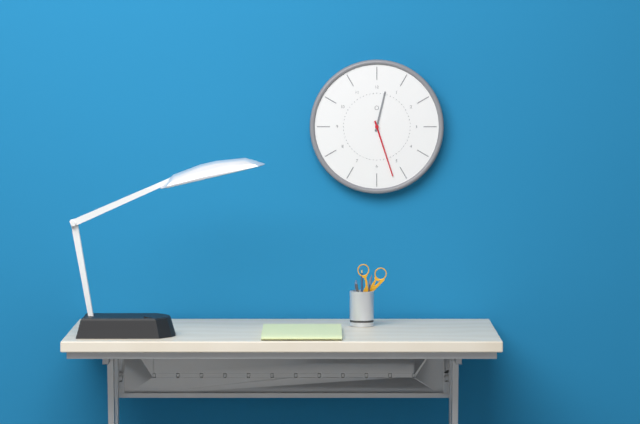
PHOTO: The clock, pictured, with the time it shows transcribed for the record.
12:27
